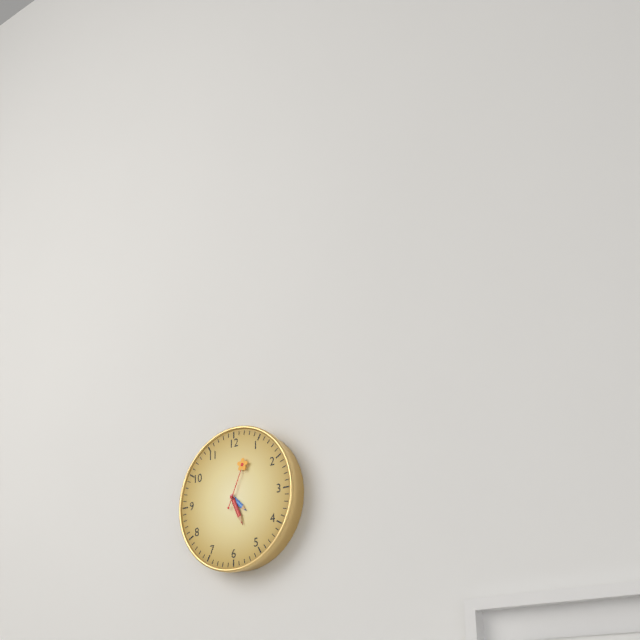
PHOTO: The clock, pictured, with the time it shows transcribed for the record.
4:26:04
